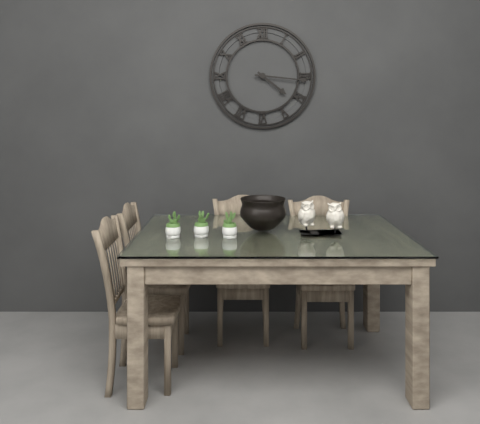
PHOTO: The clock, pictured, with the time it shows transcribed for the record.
4:16
